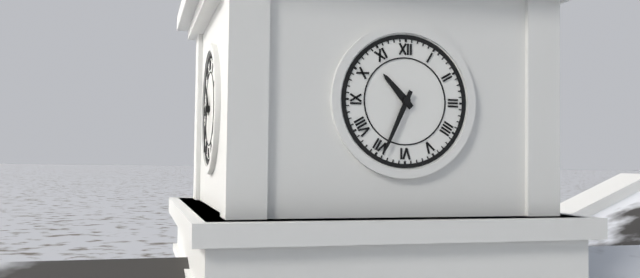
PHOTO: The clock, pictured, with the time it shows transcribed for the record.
10:34
